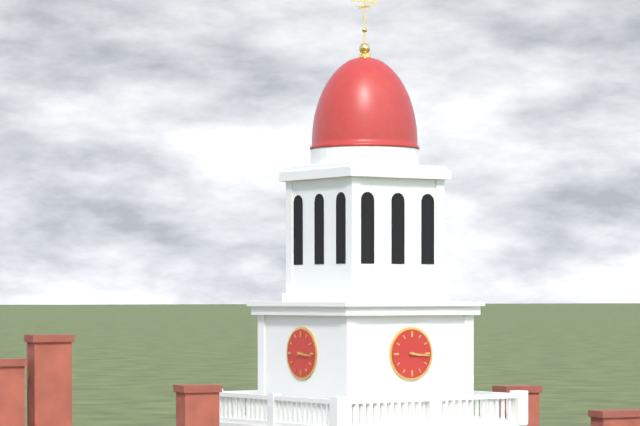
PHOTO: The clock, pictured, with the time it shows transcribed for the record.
3:16
